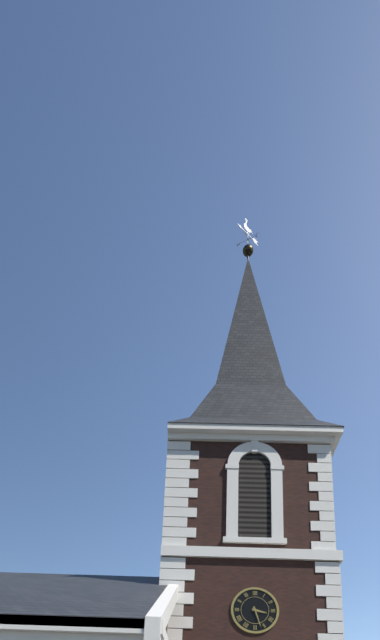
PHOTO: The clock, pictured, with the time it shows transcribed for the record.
3:27
